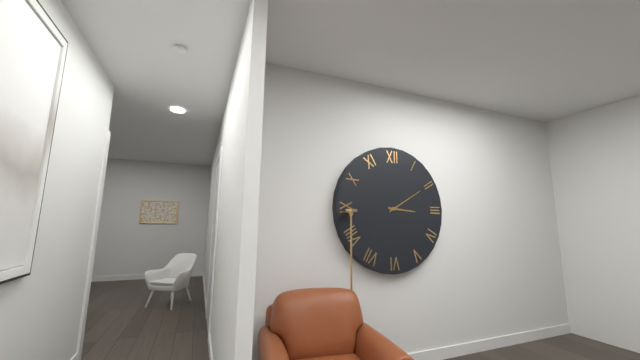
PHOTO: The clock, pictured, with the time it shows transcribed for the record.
3:10
